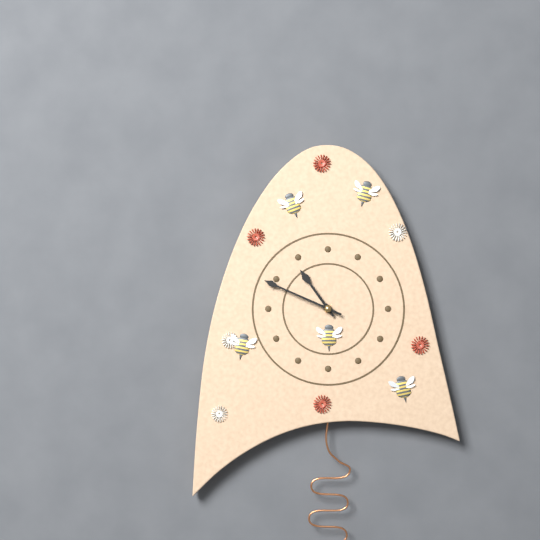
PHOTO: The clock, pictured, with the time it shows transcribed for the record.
10:49
